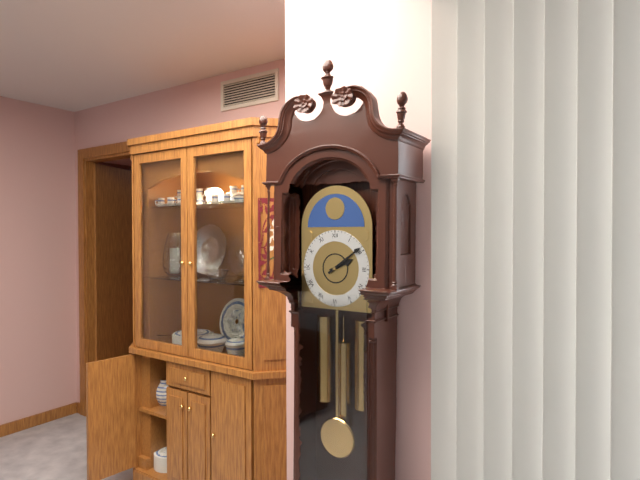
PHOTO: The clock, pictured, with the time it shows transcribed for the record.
2:09
